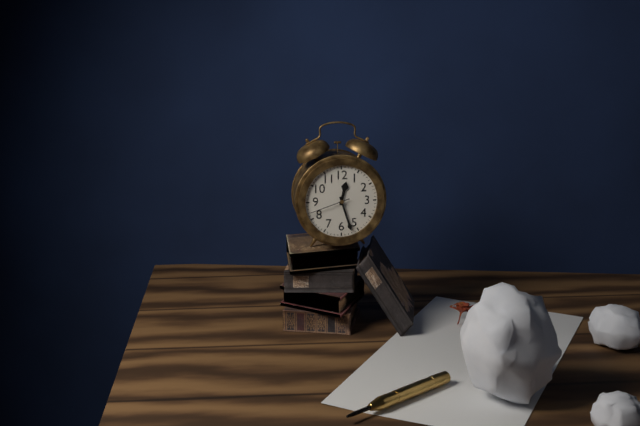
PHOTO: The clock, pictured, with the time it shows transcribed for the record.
12:27
